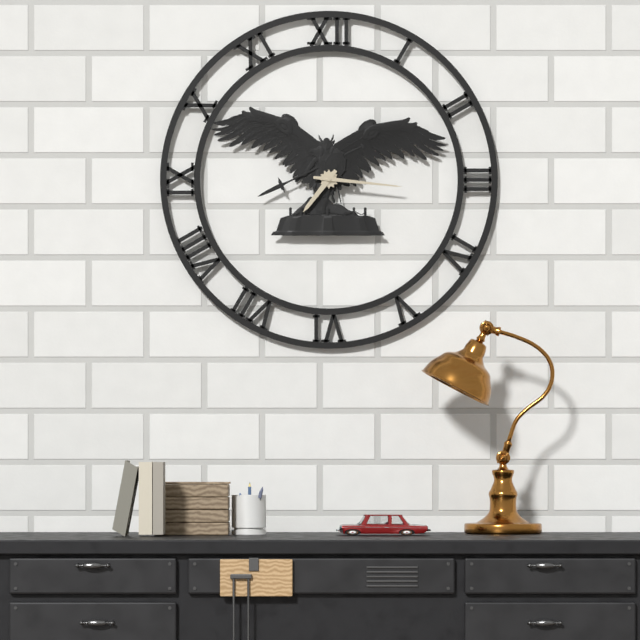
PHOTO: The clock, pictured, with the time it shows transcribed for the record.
7:16
